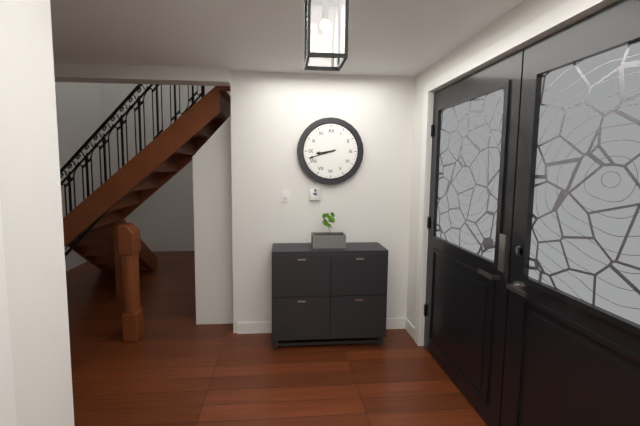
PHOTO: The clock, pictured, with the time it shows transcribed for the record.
8:42
